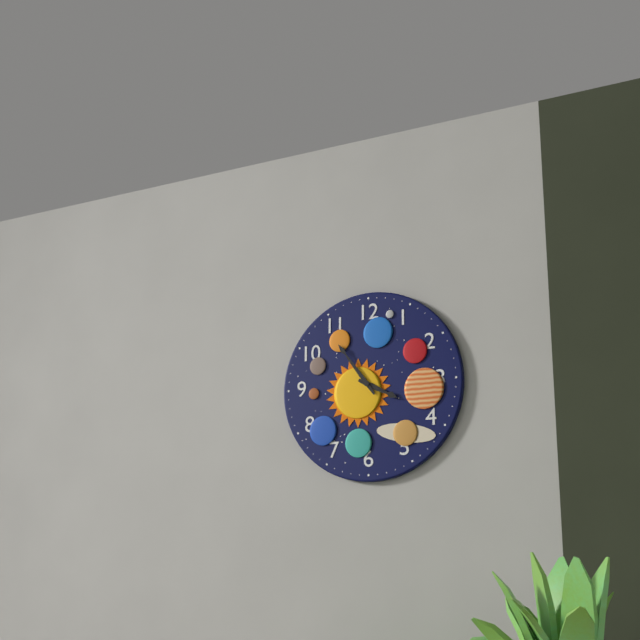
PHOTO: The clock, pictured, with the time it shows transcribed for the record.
3:54
